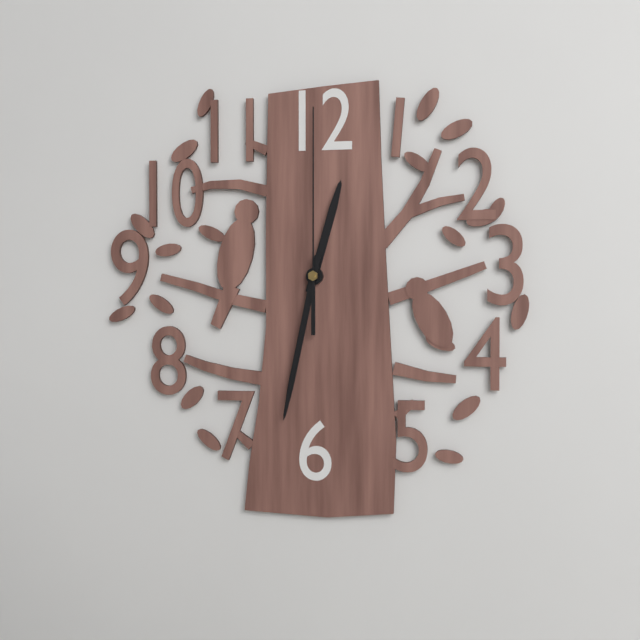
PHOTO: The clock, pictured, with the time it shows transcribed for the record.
12:32:00
